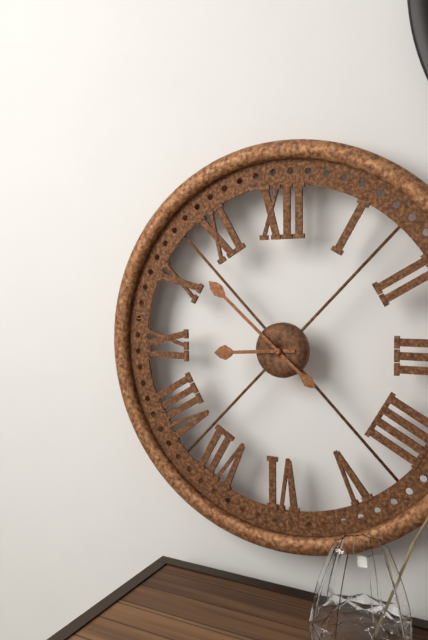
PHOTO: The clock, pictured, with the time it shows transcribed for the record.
8:52
